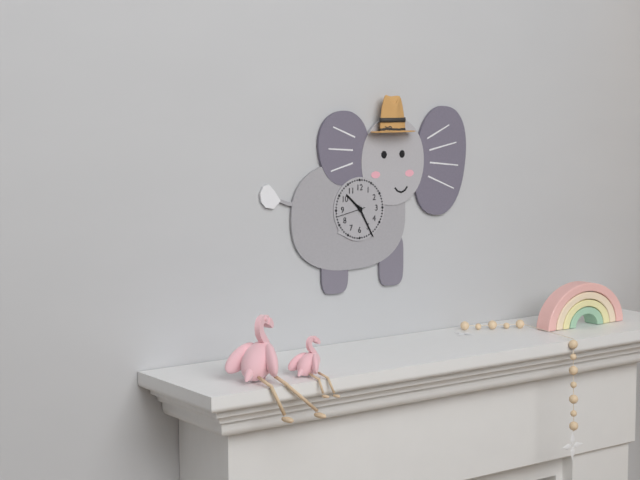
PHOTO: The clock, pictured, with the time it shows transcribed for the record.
10:25
